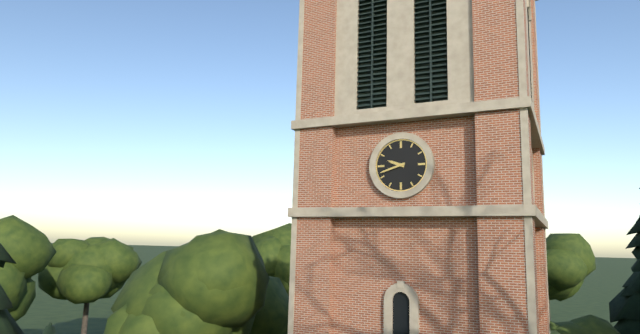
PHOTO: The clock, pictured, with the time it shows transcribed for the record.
9:42
